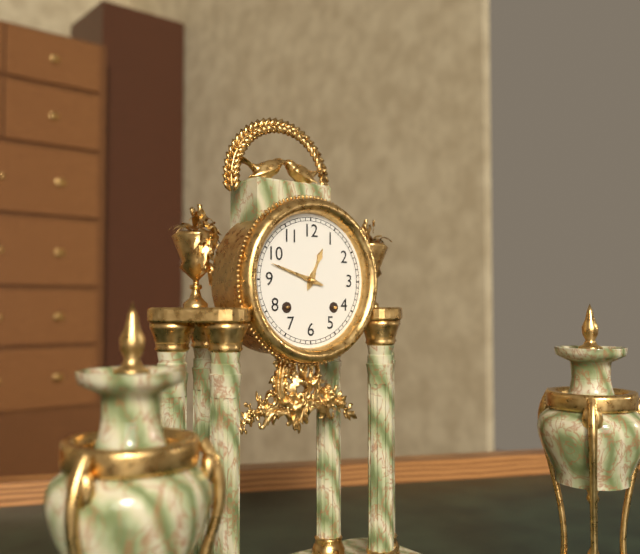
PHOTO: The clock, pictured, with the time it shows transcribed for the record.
12:48
